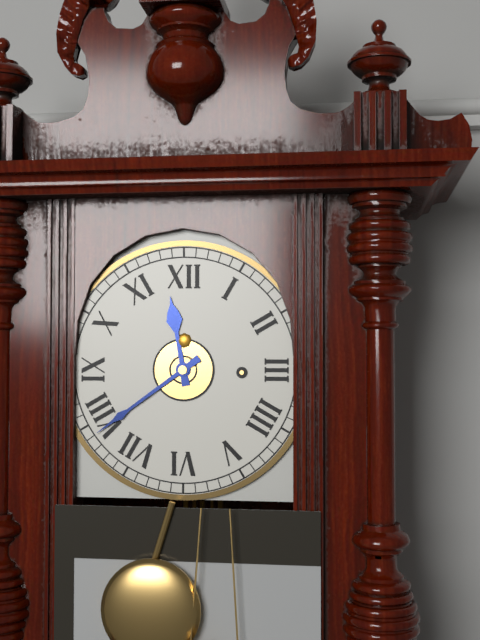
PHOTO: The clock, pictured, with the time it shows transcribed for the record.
11:39
